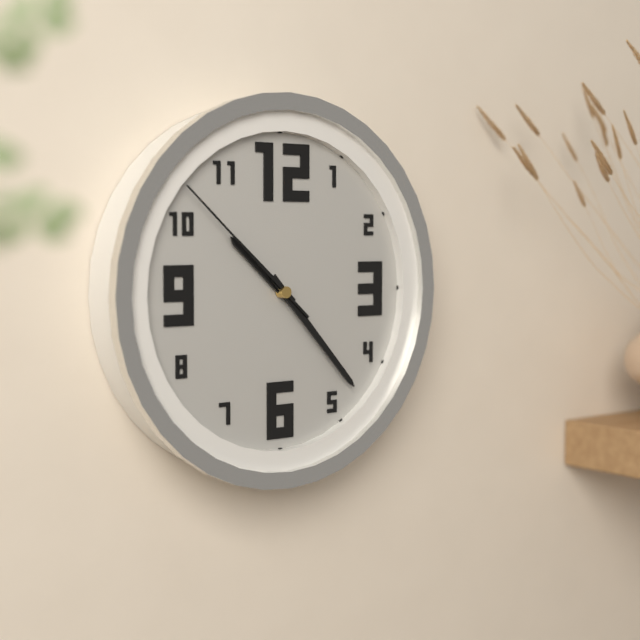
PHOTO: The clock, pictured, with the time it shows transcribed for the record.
10:23:52
